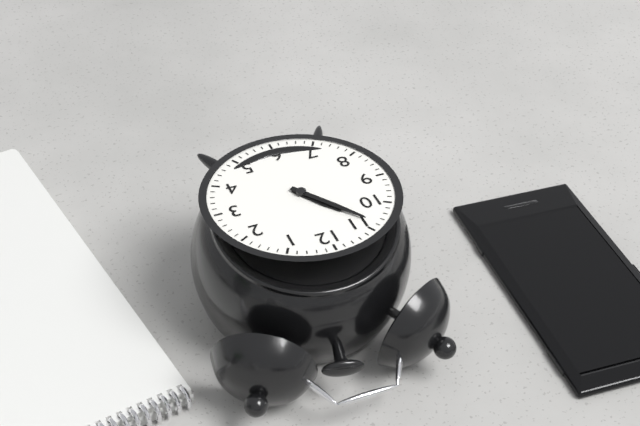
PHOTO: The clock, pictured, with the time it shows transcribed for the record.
10:54
